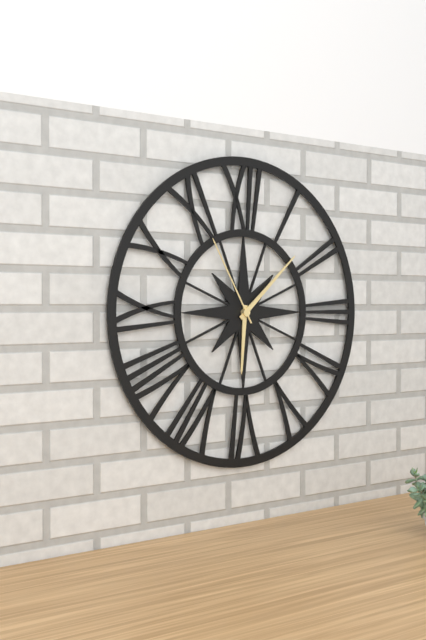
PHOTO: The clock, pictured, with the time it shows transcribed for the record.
6:08:55
